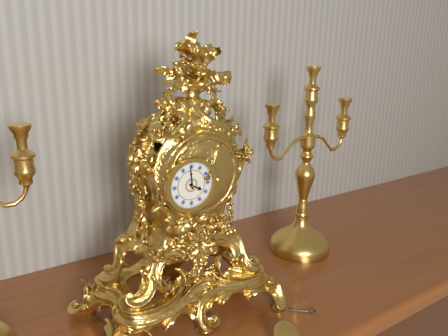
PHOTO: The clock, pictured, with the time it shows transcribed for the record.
3:59
